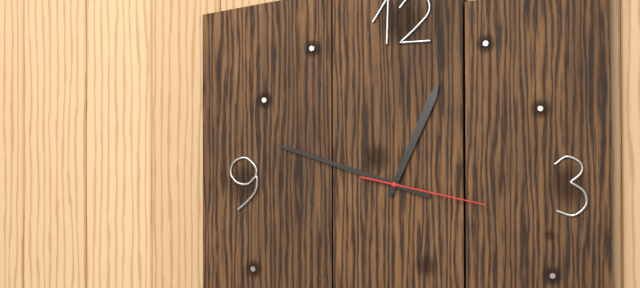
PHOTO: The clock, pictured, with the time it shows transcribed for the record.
12:48:17
